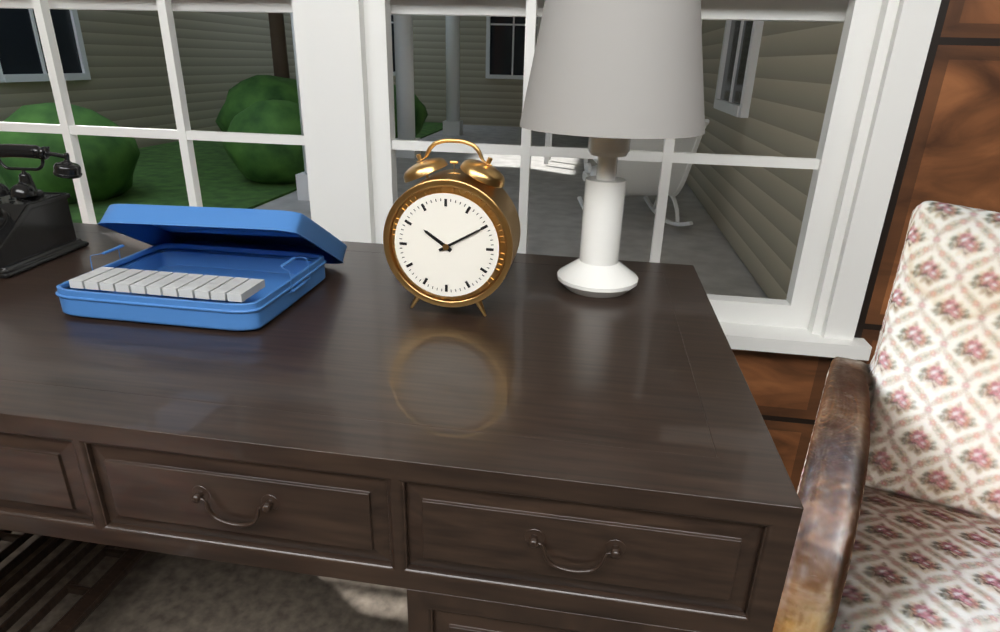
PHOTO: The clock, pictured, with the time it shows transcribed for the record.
10:10
